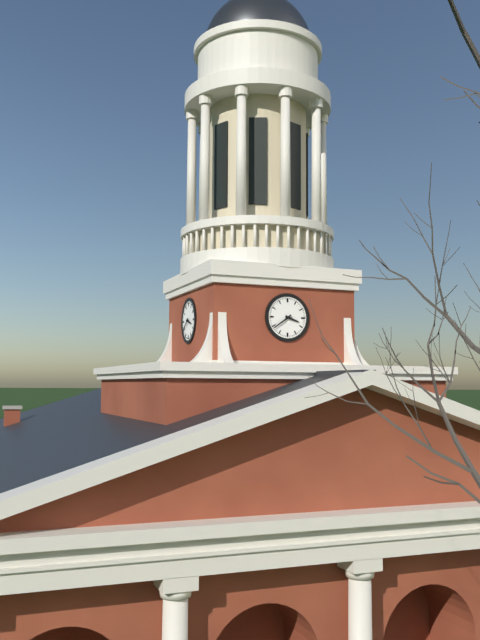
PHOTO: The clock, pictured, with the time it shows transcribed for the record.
3:39
